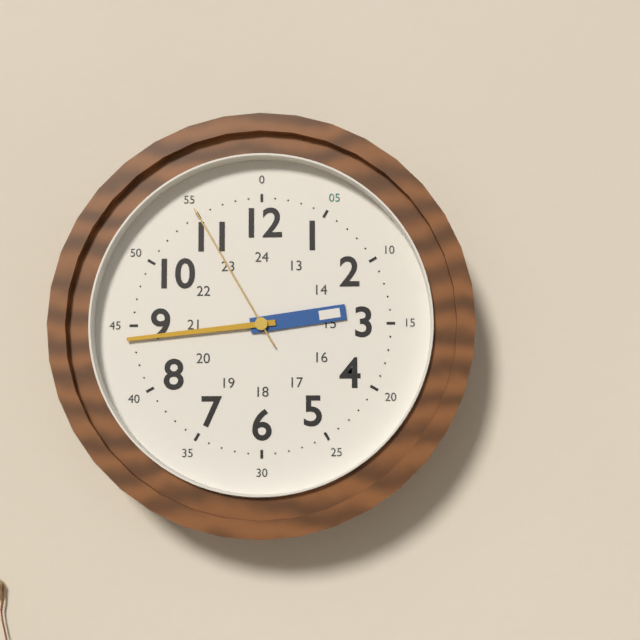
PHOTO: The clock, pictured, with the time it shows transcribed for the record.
2:44:55
